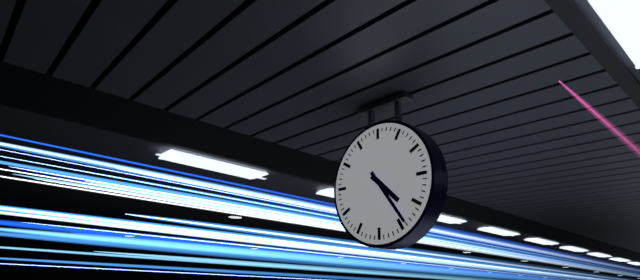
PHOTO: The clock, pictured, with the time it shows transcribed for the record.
4:24
